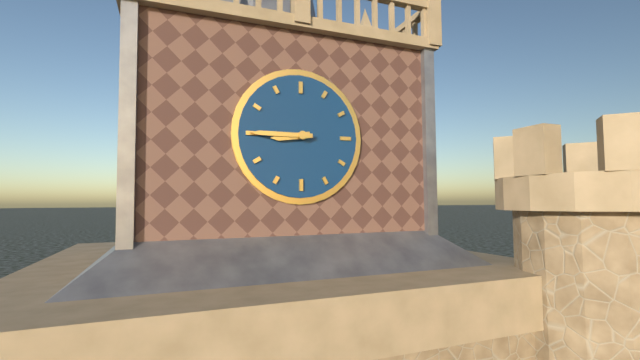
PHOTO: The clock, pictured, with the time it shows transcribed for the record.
8:45
